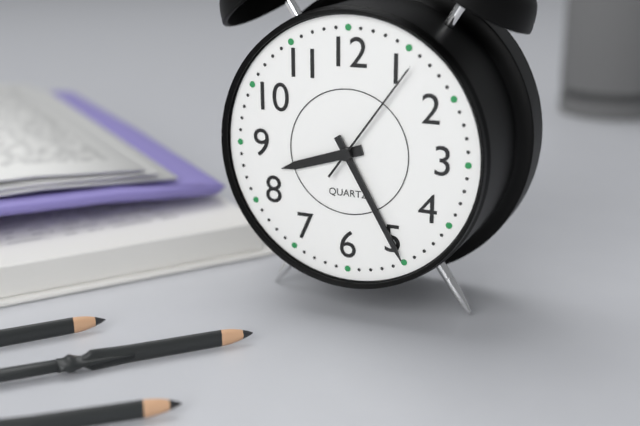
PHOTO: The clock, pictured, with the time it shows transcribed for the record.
8:25:06
